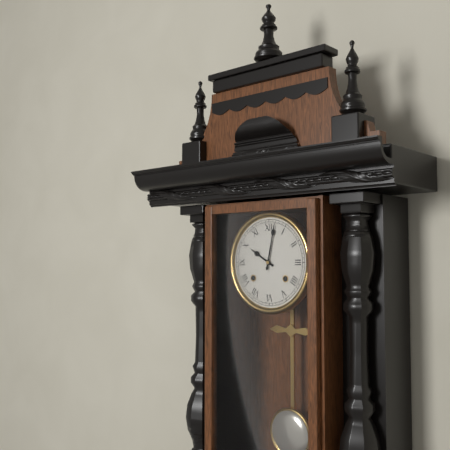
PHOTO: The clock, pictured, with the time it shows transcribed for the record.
10:02
